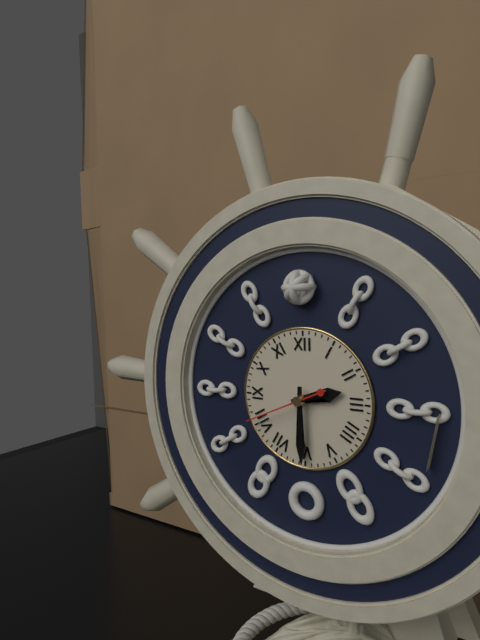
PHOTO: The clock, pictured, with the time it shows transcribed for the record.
2:30:41
